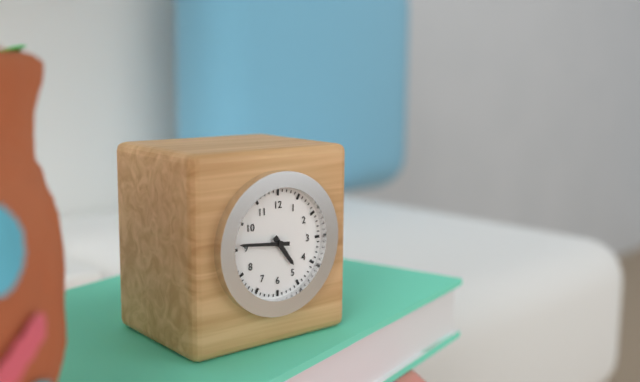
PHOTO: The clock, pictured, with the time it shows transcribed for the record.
4:46
